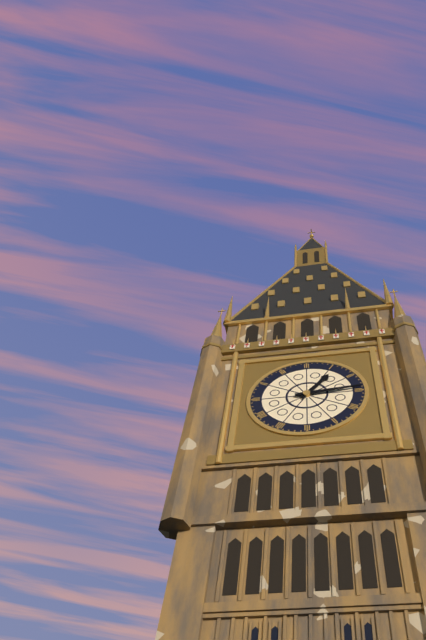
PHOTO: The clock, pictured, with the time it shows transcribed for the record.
1:14
